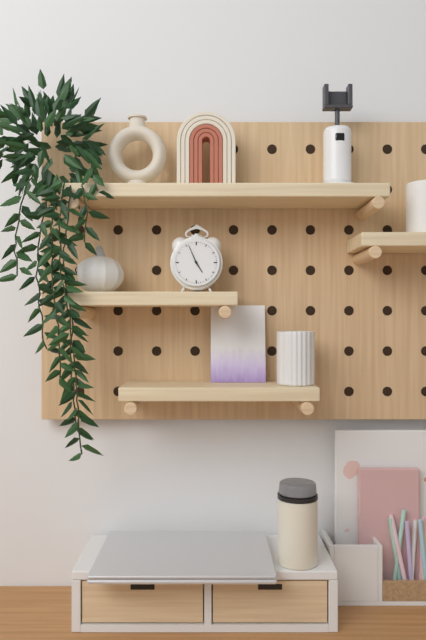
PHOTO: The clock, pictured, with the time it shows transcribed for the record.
4:56
